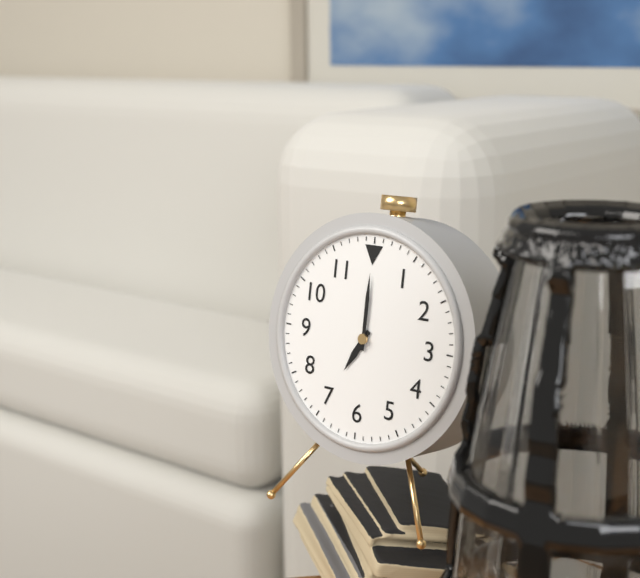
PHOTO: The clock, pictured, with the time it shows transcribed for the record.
7:00
